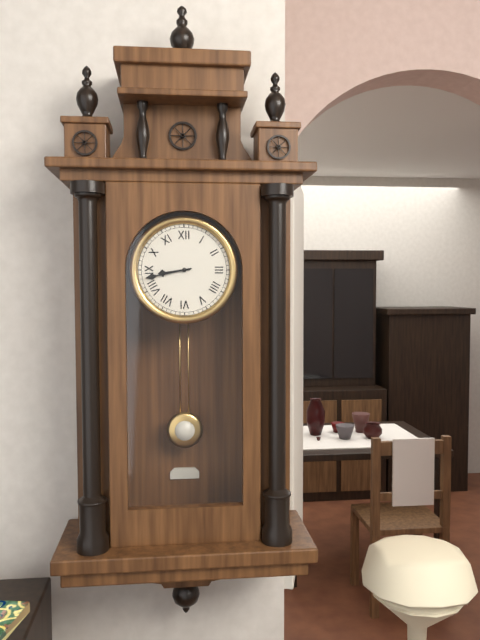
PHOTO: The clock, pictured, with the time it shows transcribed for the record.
8:43
